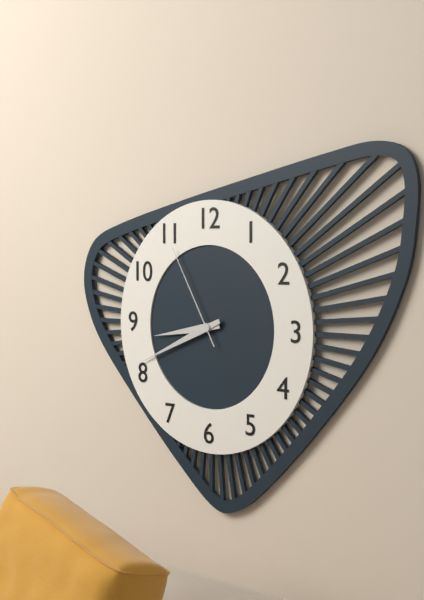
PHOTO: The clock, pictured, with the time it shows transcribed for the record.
8:41:55
